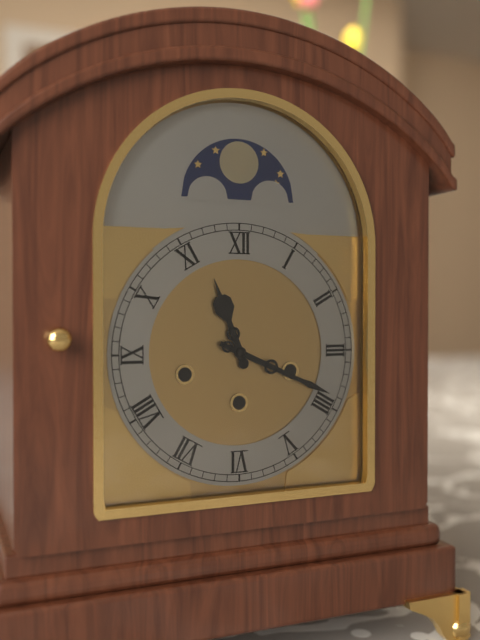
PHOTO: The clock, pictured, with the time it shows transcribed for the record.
11:19
